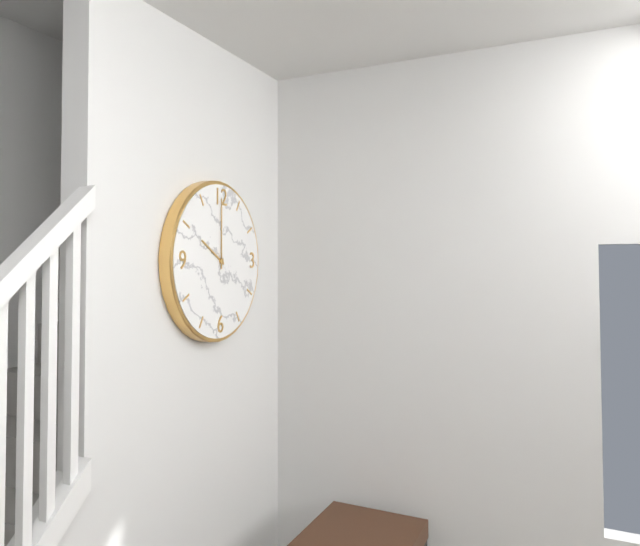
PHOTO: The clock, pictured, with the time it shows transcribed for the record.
10:00
